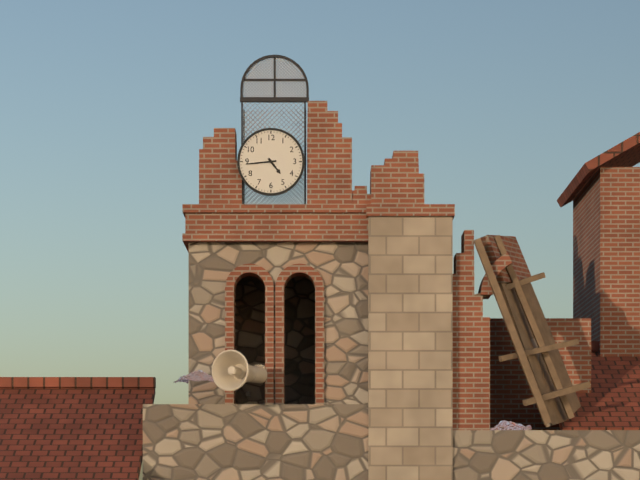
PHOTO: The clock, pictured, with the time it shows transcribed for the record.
4:44
